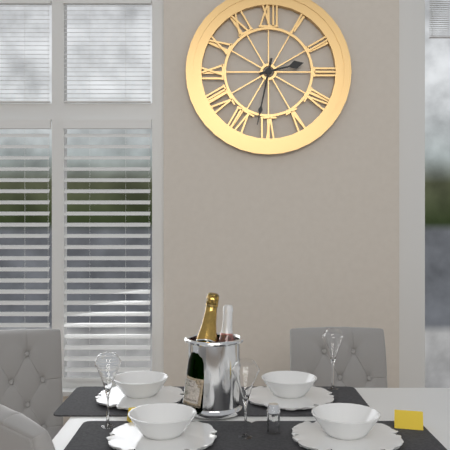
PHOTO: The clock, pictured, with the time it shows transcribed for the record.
2:32
